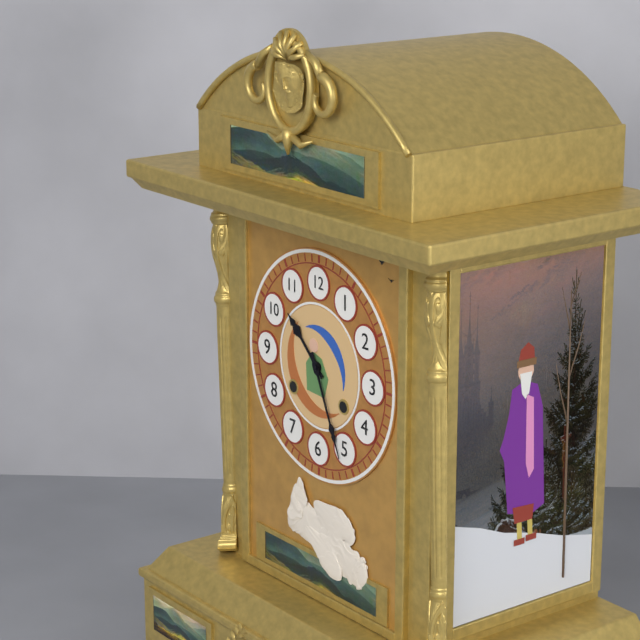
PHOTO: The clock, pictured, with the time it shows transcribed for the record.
10:26
